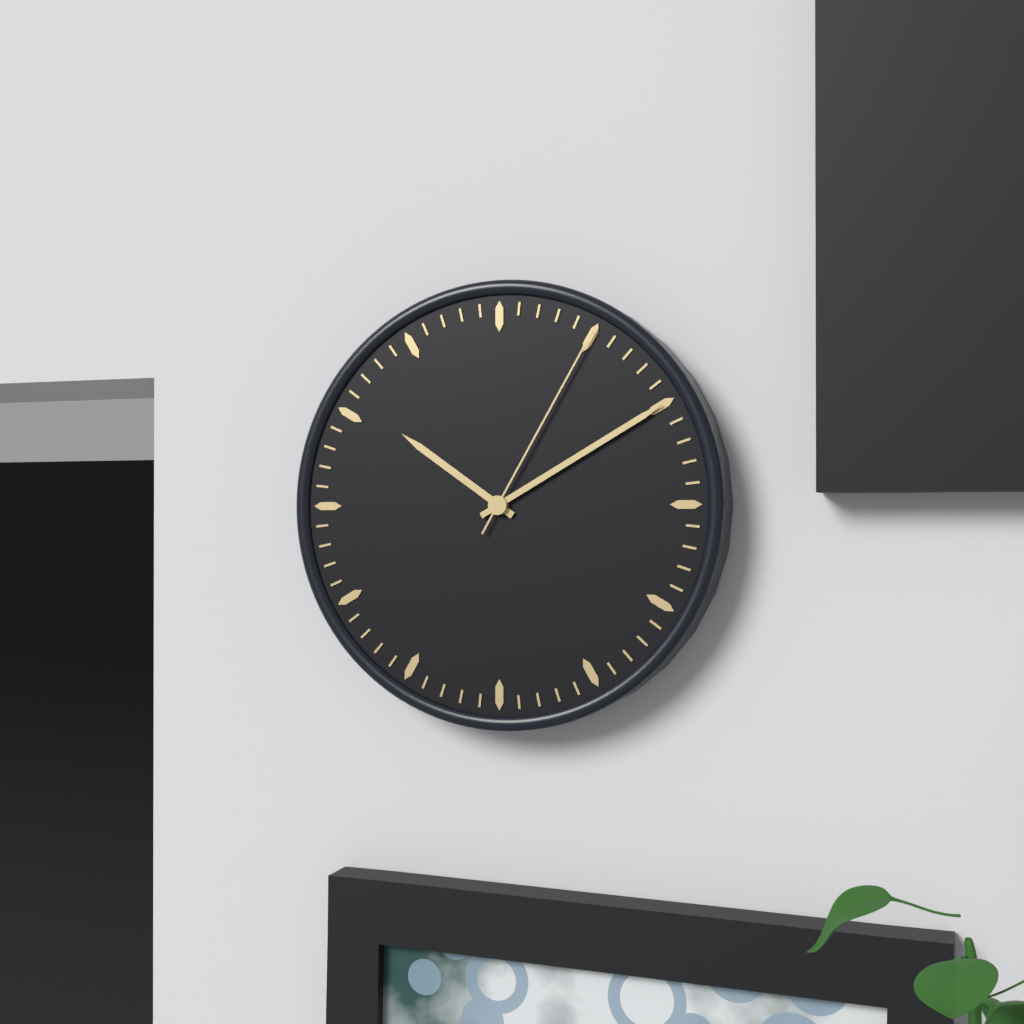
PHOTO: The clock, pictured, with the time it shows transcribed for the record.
10:10:05
